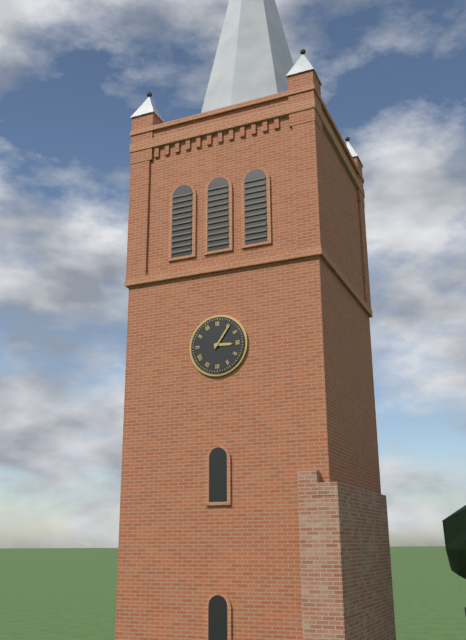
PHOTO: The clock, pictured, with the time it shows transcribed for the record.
3:06
